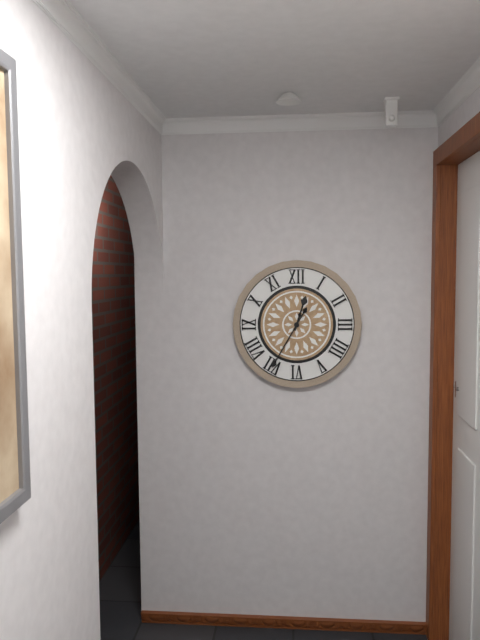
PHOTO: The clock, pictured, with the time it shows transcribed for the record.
12:35
